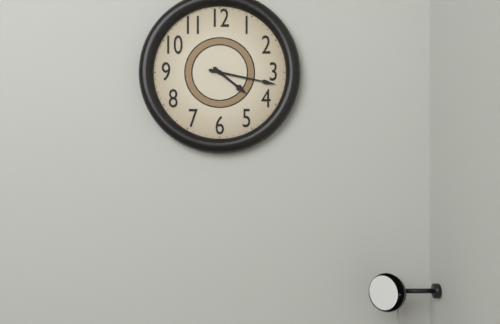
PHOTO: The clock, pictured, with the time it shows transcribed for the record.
4:17
